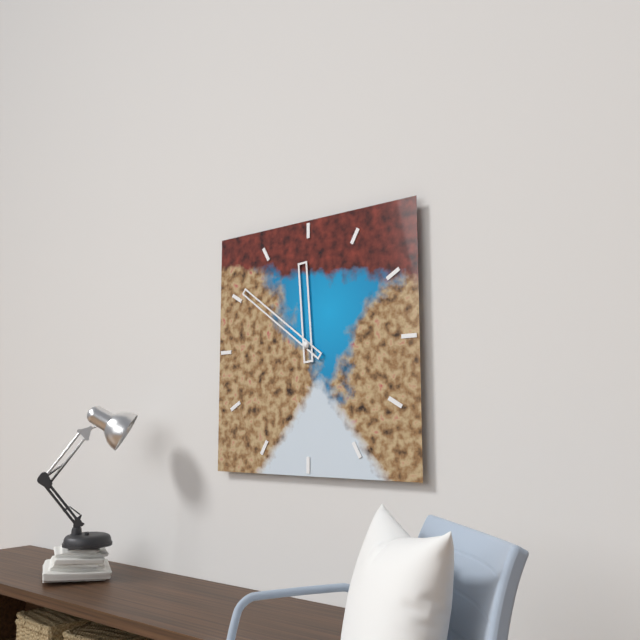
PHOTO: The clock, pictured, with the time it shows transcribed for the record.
11:51
